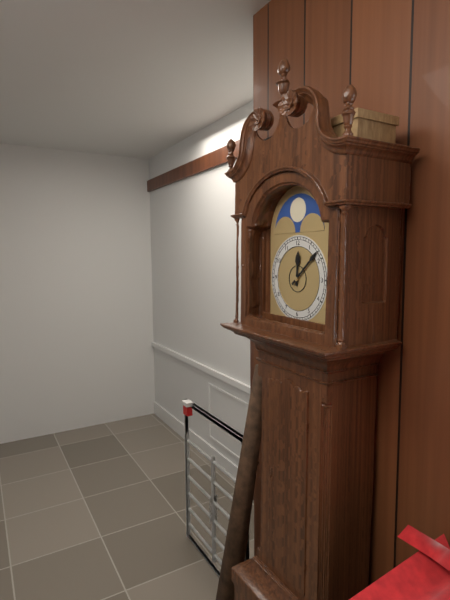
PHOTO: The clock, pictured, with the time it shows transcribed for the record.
12:08
